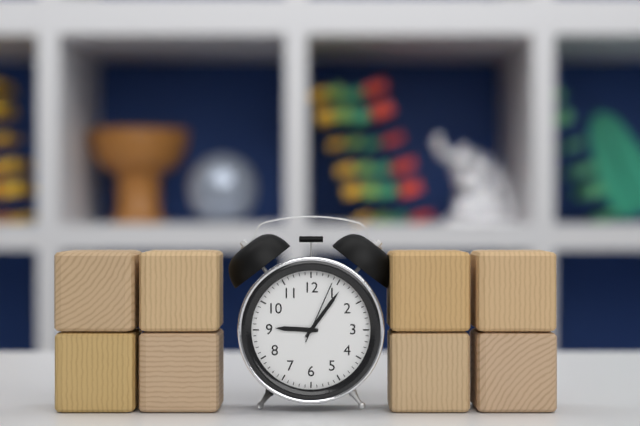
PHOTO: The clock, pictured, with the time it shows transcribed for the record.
9:06:04
